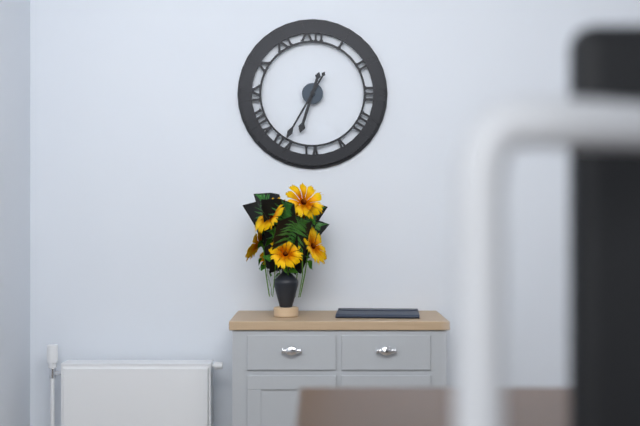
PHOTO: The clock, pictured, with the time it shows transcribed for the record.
6:35
